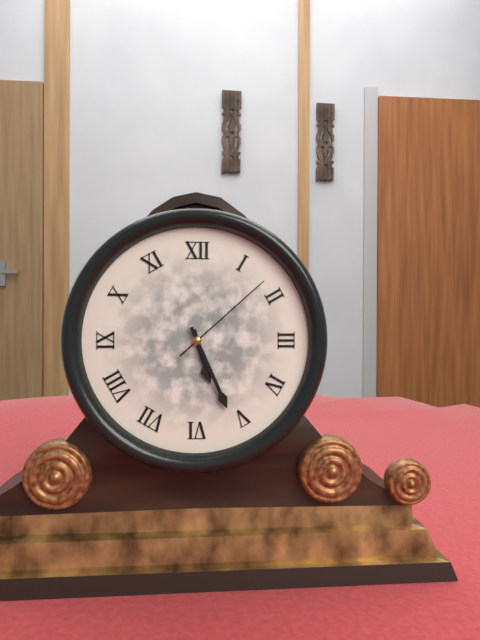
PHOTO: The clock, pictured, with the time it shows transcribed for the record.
5:26:08
